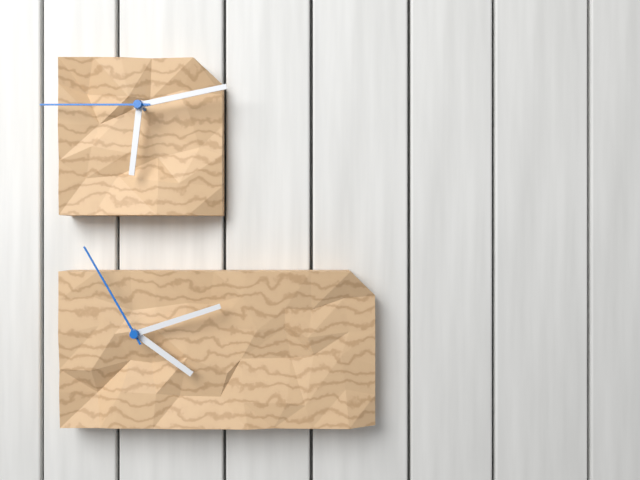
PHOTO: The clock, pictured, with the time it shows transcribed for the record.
6:13:45
